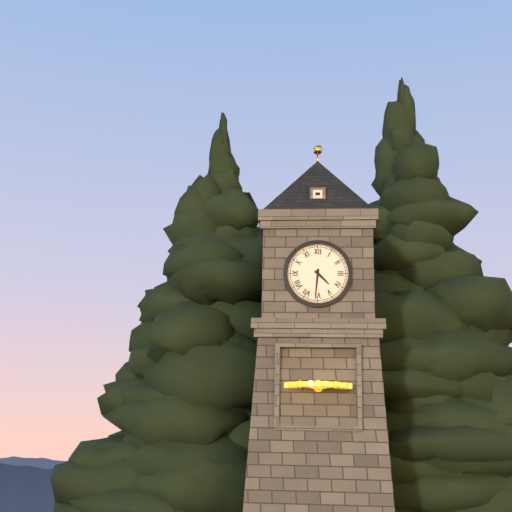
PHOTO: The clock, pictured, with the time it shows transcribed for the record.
4:31
